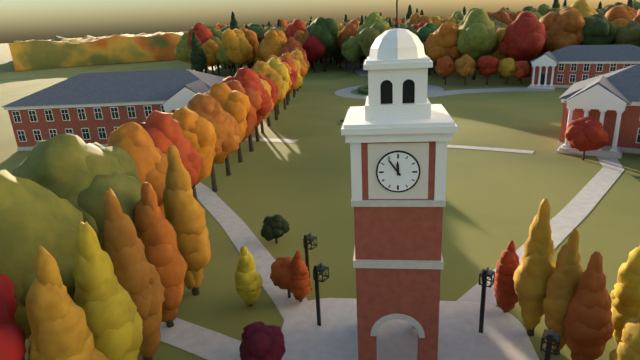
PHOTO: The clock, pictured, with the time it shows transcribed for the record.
11:54
